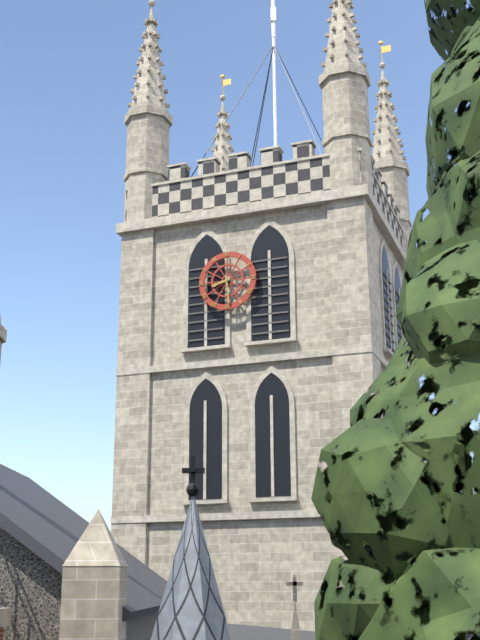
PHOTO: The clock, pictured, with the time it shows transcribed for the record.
8:29
